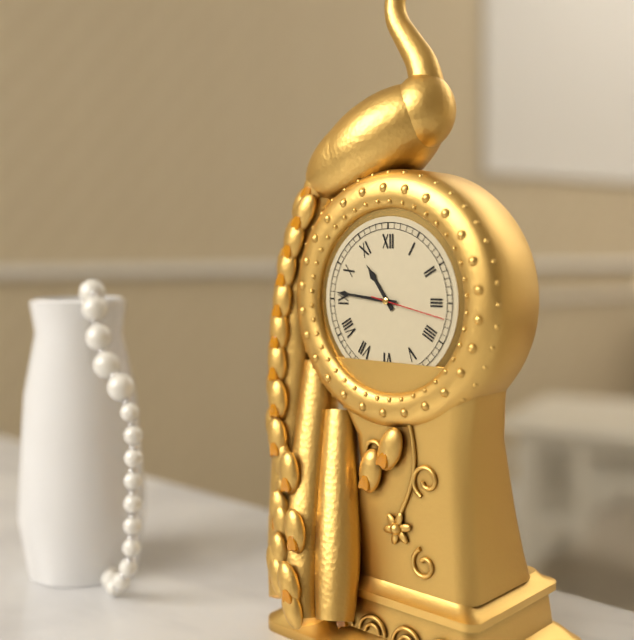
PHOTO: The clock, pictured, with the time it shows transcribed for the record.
10:46:17
